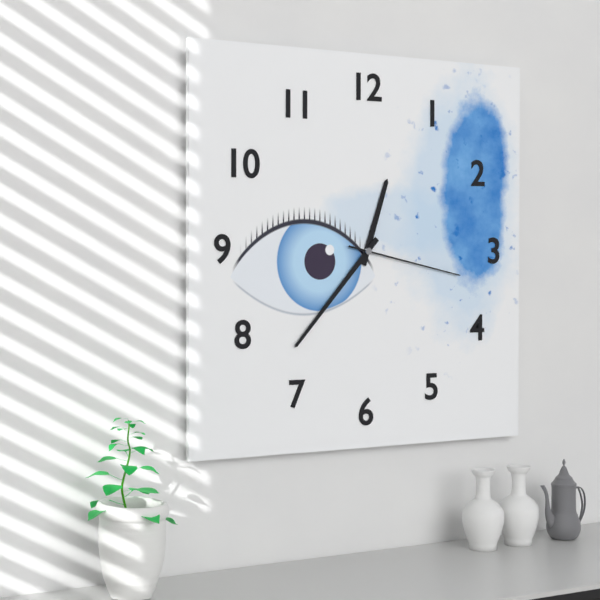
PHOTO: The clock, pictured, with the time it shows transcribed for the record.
12:37:17
